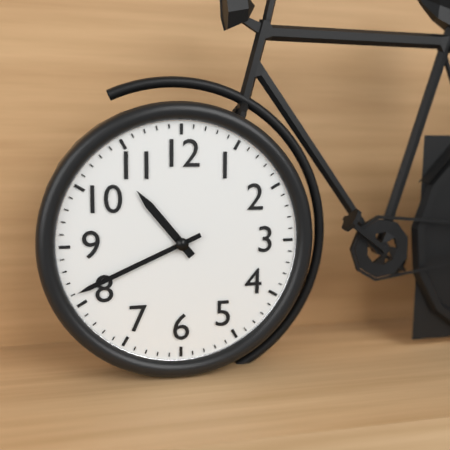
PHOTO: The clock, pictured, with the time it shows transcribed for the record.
10:41
